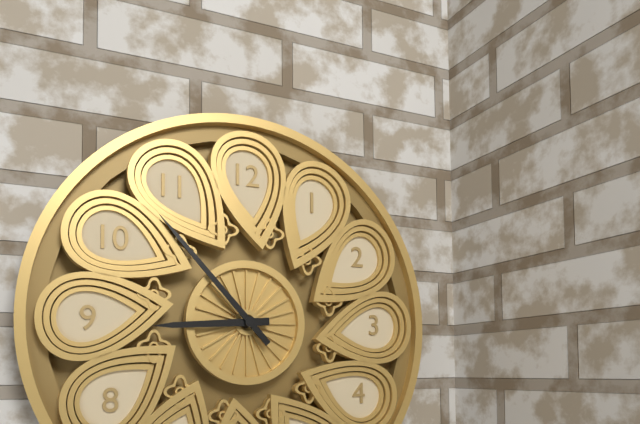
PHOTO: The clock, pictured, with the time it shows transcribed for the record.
8:53
